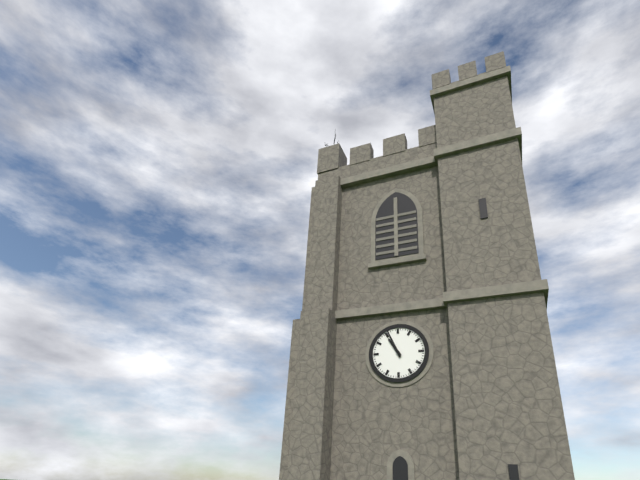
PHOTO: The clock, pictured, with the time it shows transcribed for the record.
10:56
